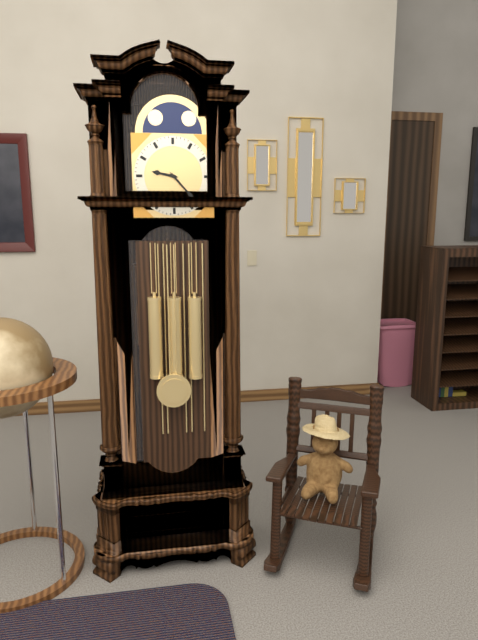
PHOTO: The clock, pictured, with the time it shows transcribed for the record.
9:23
